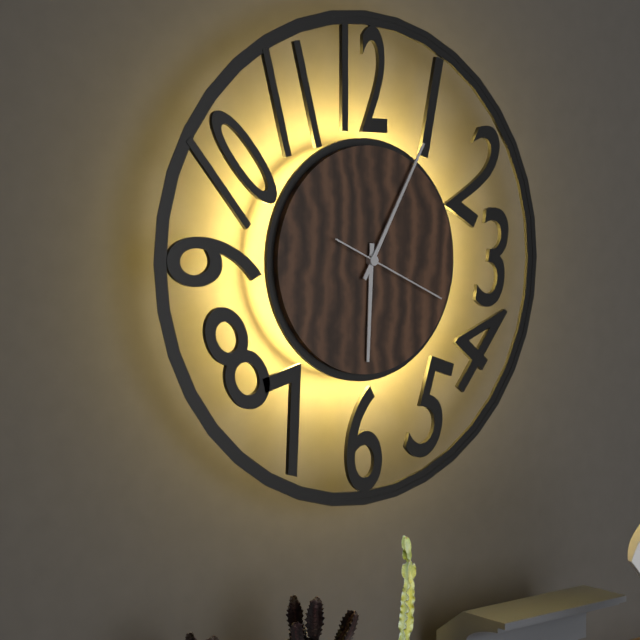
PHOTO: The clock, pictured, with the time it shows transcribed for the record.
6:05:19
